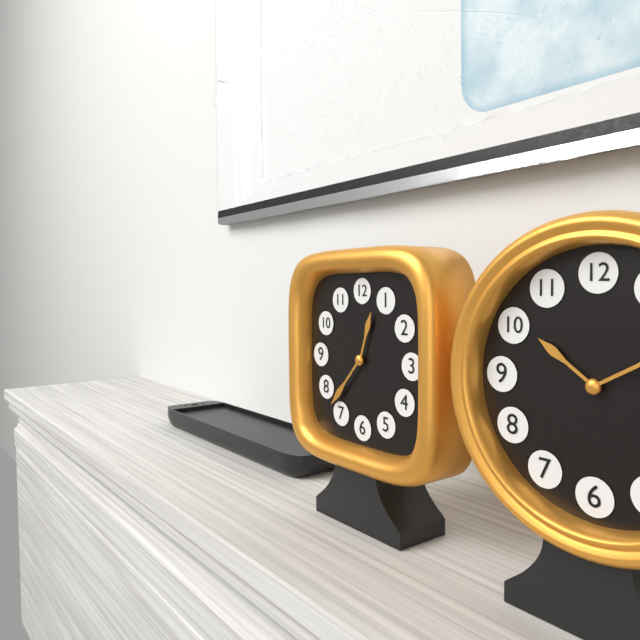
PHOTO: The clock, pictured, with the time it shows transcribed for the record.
12:37
